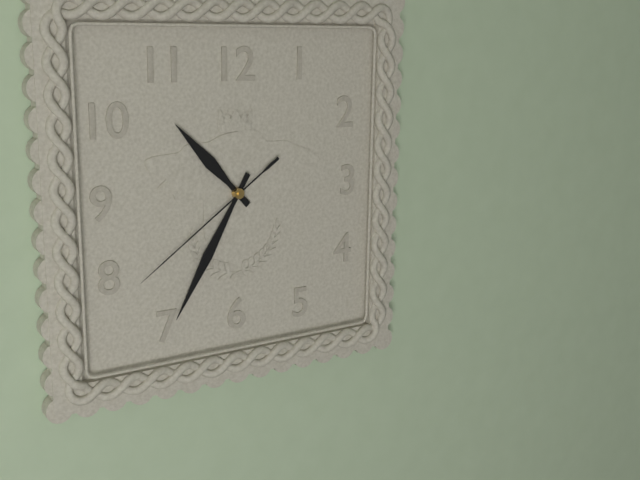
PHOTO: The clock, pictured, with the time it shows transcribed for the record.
10:35:39
